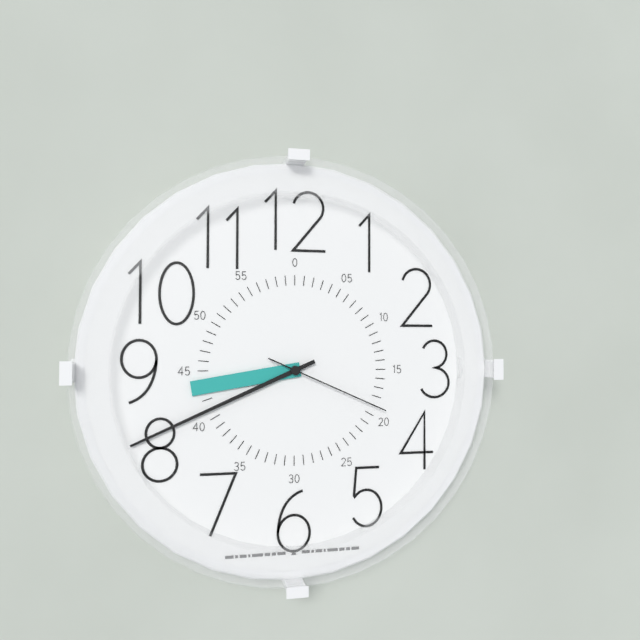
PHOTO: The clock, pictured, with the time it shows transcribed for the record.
8:41:19
